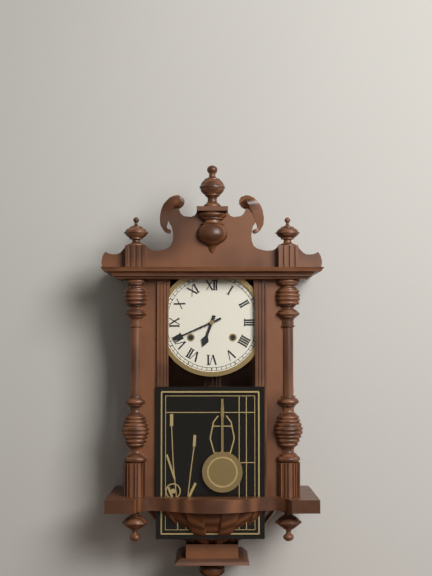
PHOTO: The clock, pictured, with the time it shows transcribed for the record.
6:41
